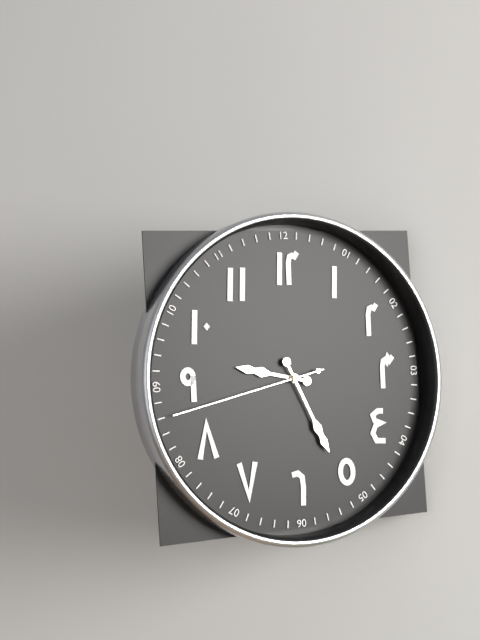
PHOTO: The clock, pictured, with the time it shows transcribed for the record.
9:26:43
